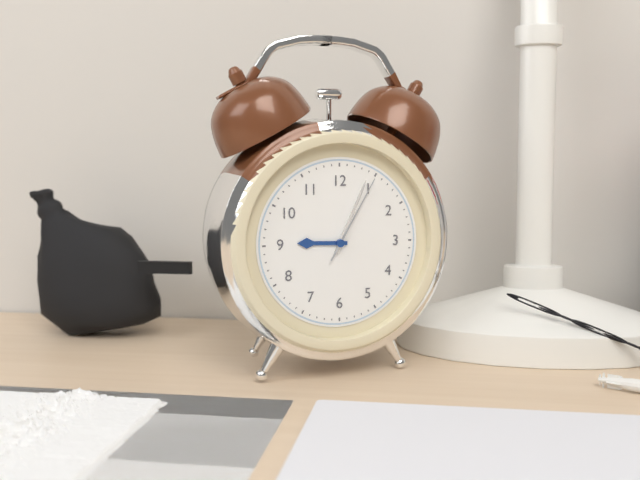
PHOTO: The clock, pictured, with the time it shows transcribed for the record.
9:04:05
